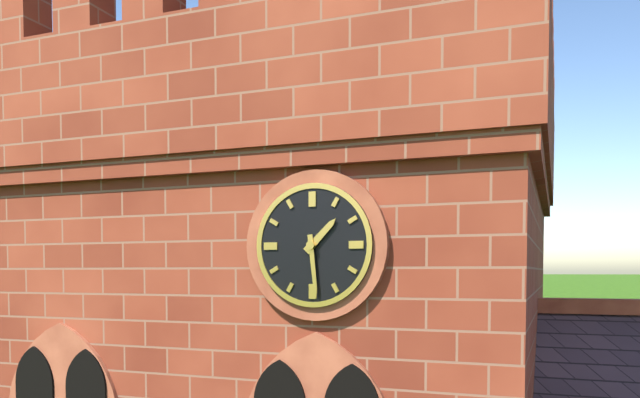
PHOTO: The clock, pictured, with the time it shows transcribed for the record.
1:29
